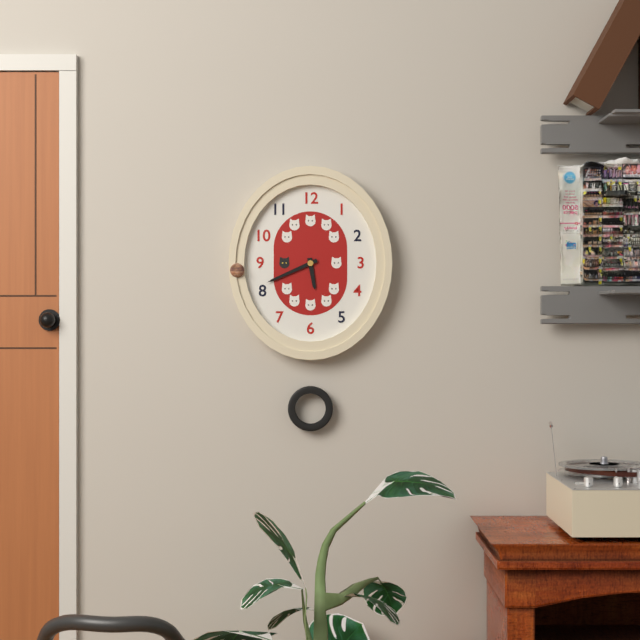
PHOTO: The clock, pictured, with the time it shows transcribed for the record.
5:41
